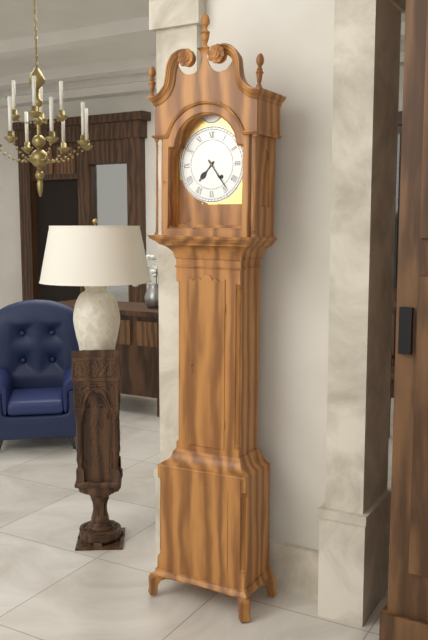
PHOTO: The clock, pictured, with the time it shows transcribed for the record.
7:24
